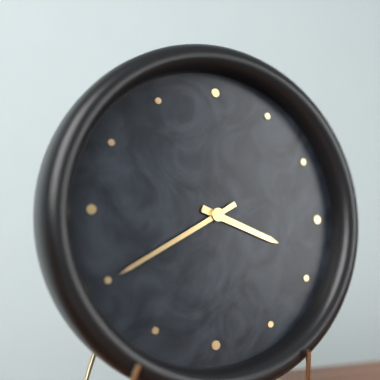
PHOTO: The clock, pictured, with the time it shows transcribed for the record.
3:40
